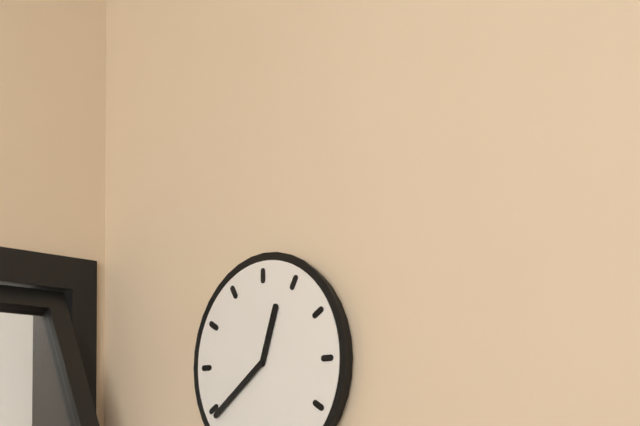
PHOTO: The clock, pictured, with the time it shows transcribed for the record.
12:39
